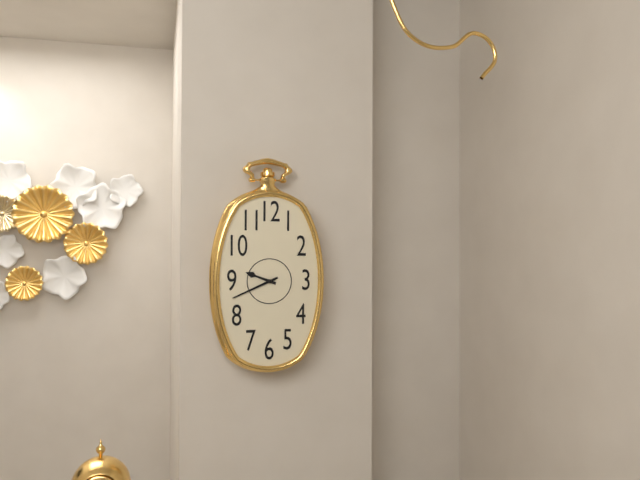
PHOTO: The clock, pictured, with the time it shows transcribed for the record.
9:41
